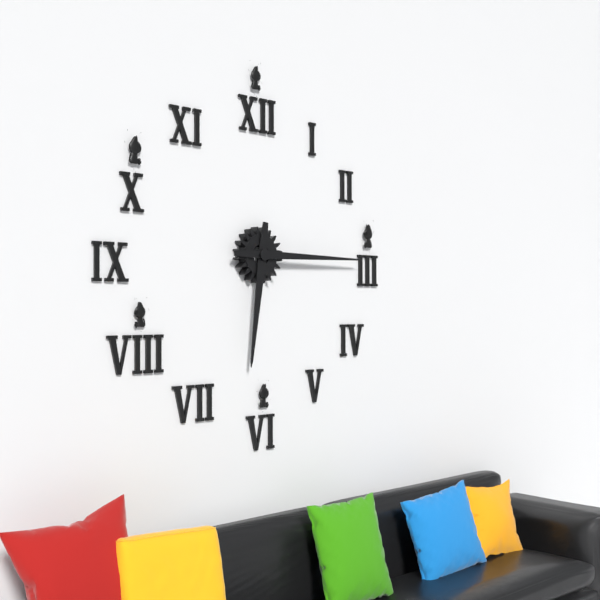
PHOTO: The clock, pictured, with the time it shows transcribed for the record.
6:15
